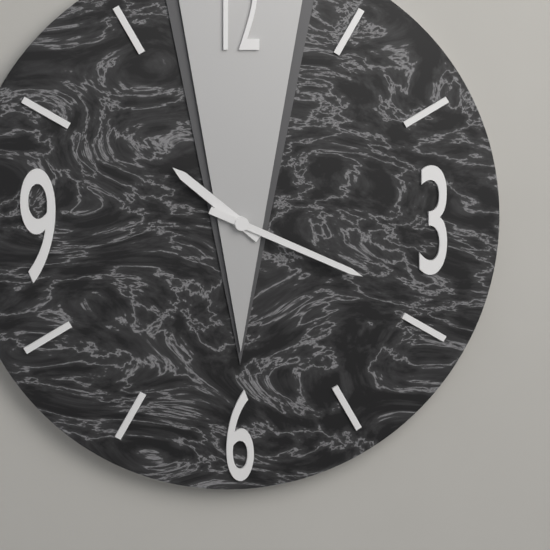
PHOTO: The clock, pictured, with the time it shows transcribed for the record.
10:19
